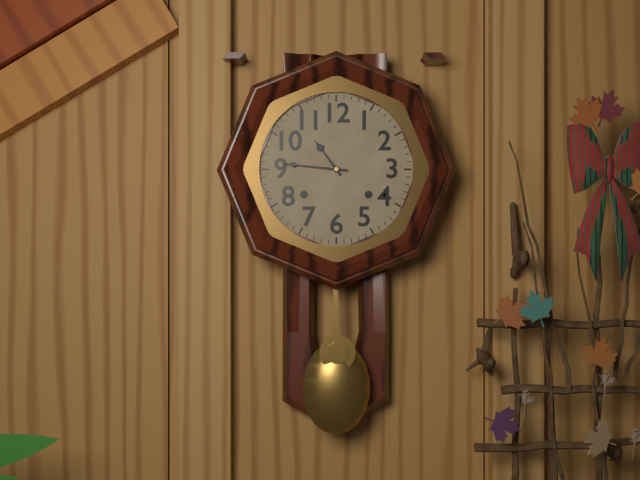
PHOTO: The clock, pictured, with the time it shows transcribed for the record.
10:46
